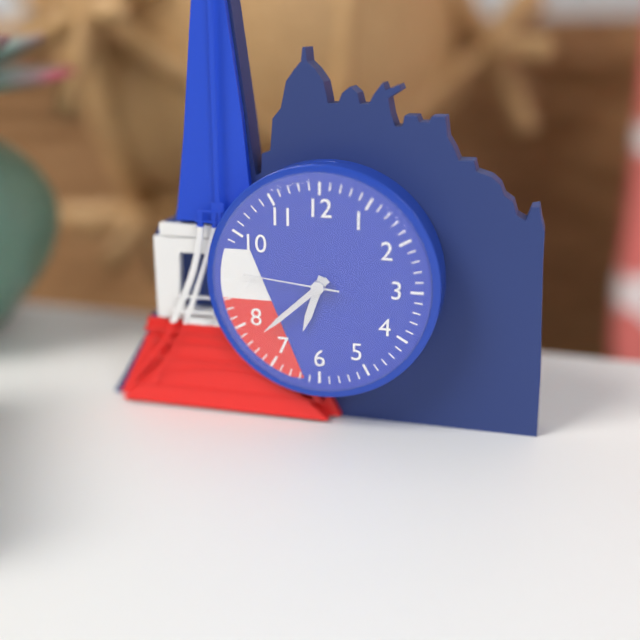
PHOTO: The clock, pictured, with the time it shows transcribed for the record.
6:38:46
